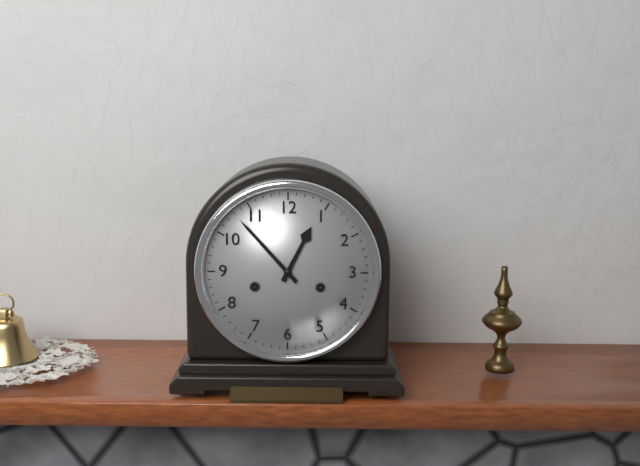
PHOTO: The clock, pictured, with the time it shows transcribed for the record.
12:53
